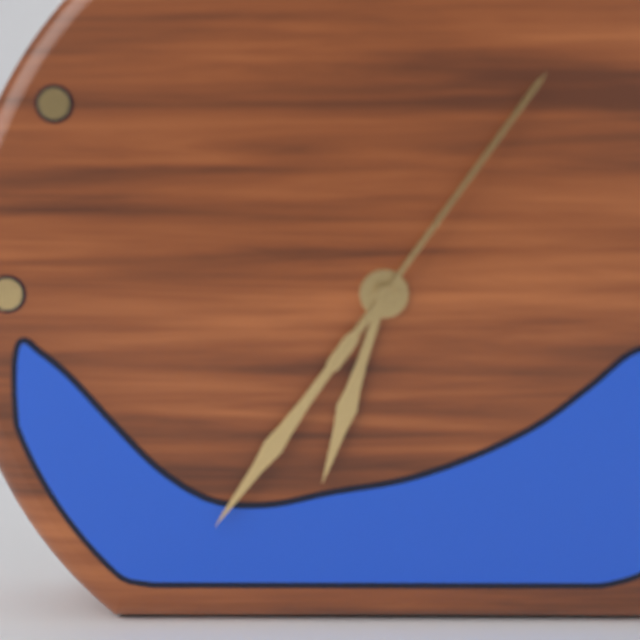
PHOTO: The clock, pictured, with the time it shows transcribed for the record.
6:36:06
